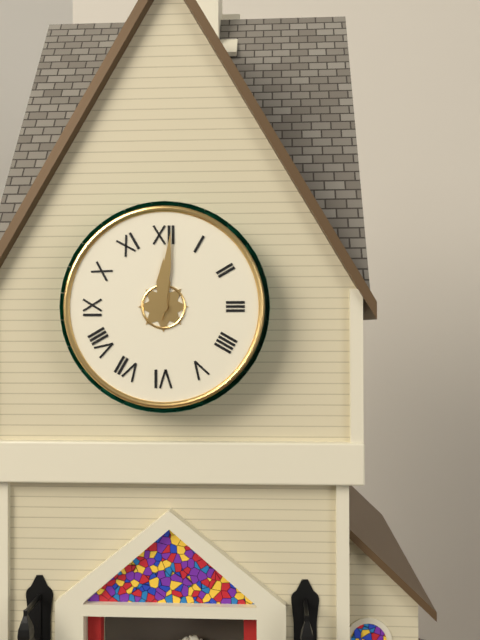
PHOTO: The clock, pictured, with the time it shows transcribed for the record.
12:01
